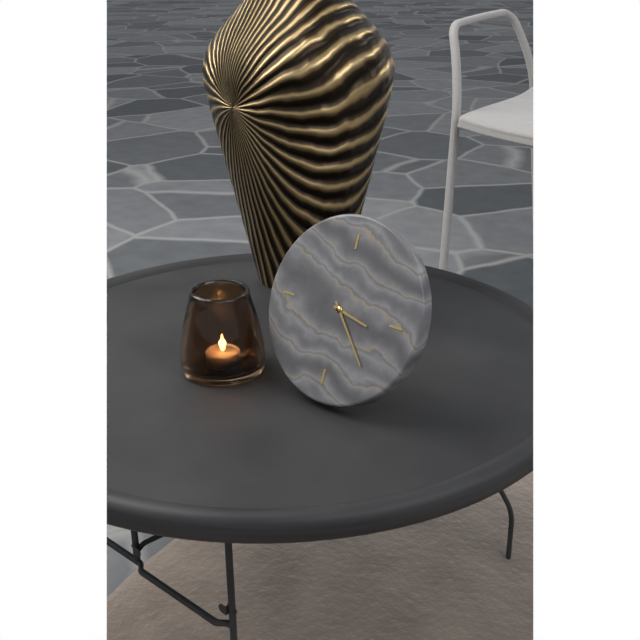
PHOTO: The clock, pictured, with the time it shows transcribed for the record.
3:23
